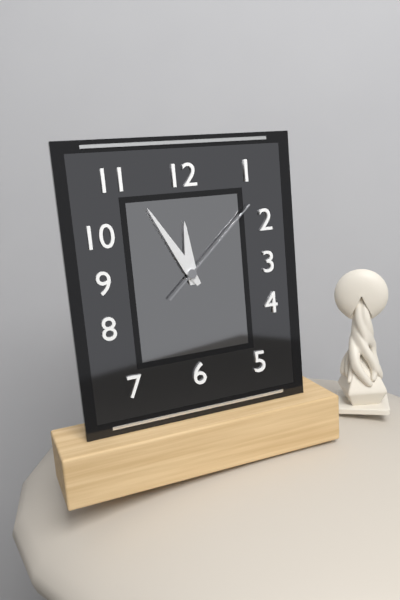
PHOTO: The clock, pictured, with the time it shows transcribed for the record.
11:55:08
